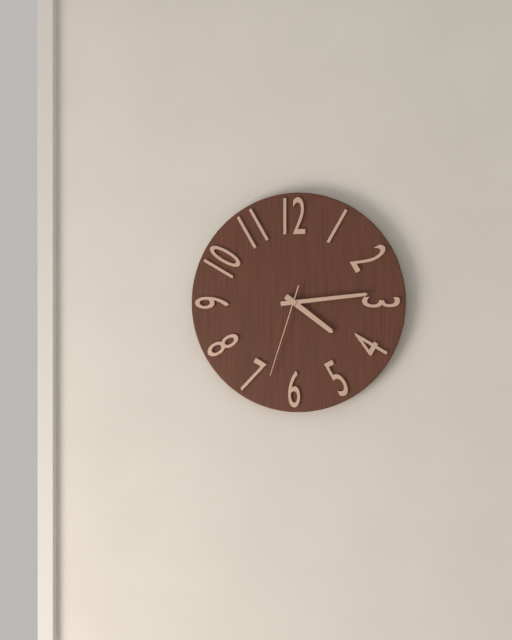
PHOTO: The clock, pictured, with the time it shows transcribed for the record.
4:14:33
